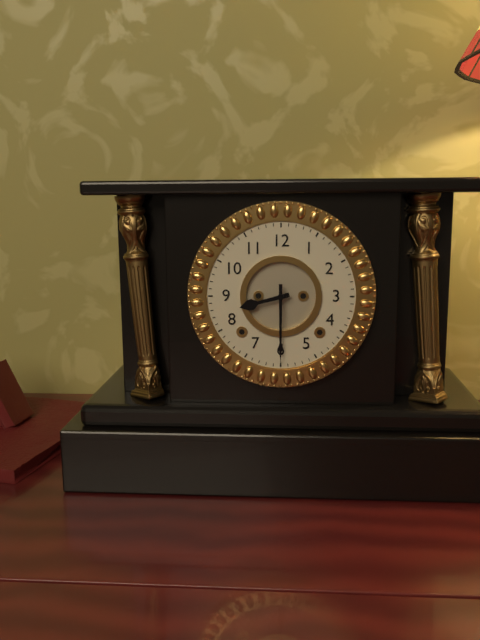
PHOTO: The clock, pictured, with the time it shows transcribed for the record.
8:30
